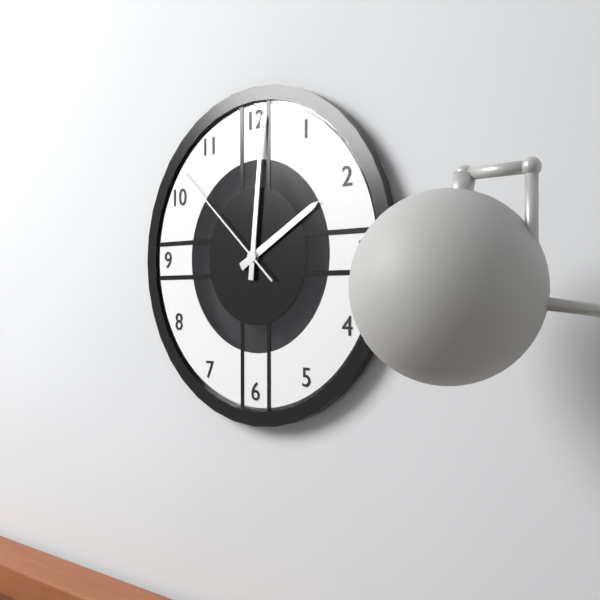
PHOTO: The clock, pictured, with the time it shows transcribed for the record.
2:01:52
